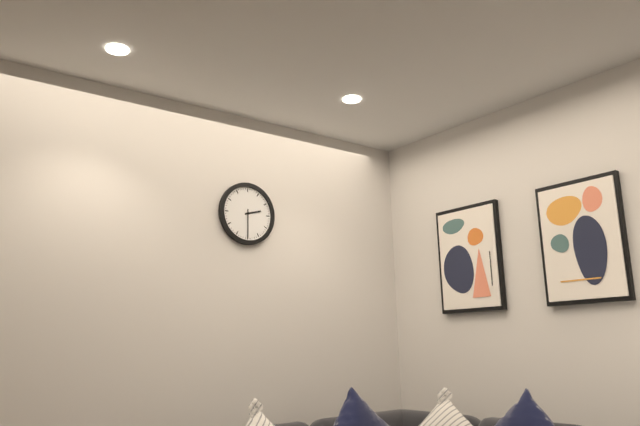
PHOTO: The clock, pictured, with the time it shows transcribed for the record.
2:30
